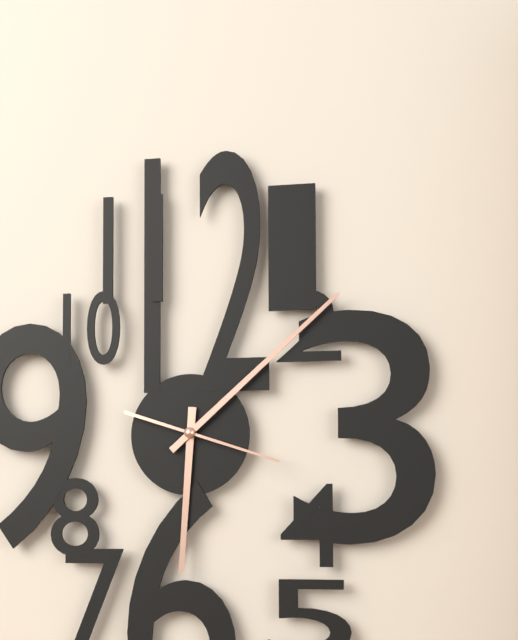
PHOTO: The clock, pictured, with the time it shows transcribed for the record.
6:08:18
